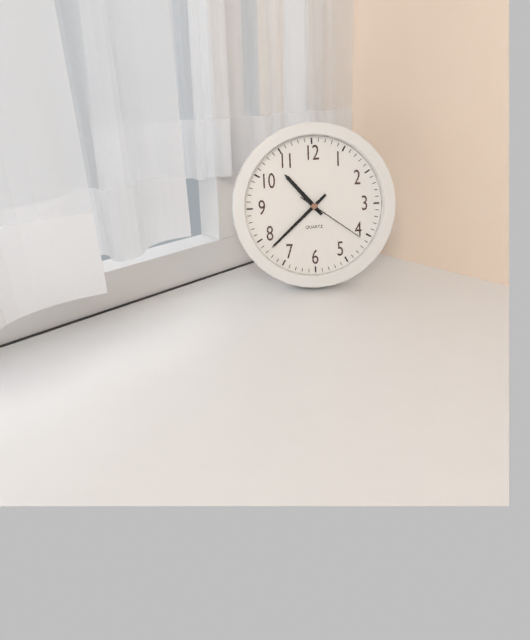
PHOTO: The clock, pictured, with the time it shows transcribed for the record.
10:38:21
